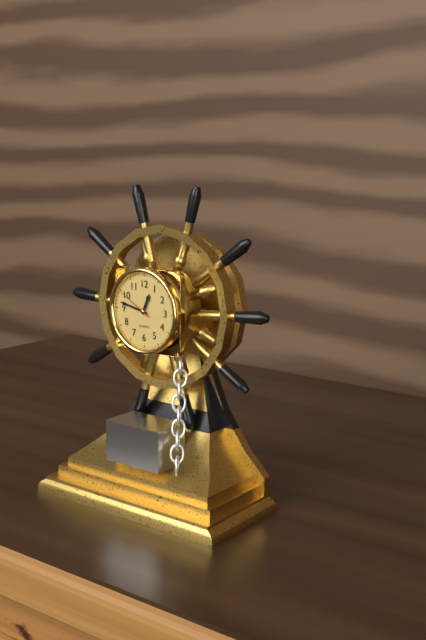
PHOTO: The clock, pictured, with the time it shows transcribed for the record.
12:47
